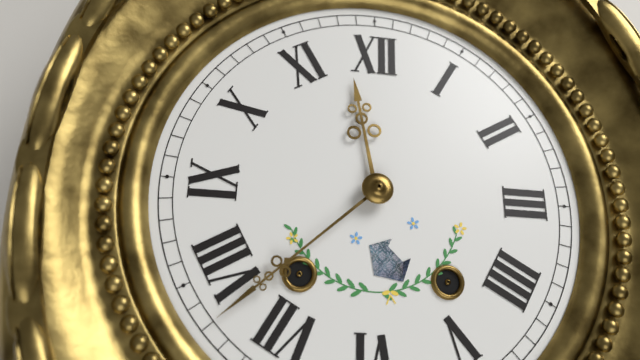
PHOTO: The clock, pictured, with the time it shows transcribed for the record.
11:38
